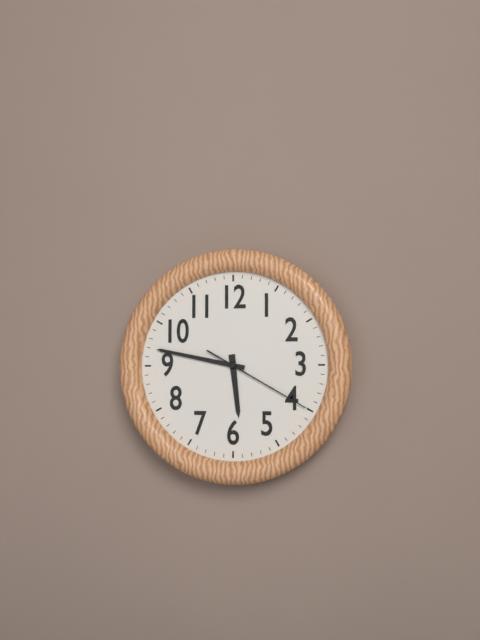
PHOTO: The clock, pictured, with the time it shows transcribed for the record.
5:47:20
